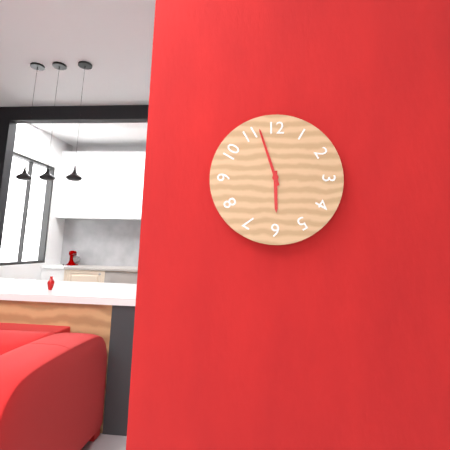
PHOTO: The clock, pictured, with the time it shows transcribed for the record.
5:57
